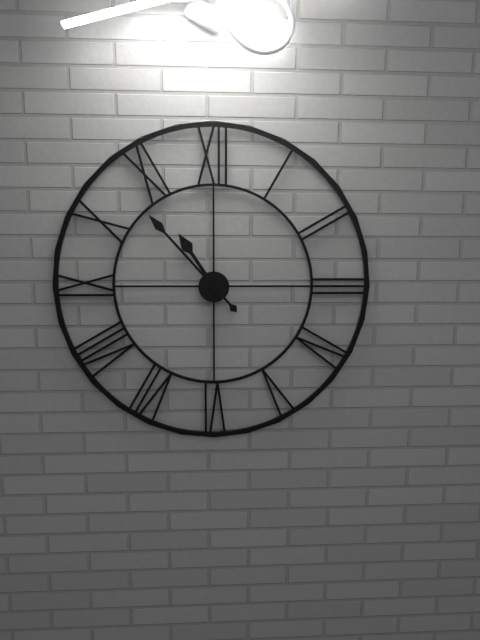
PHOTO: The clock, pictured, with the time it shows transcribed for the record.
10:53
